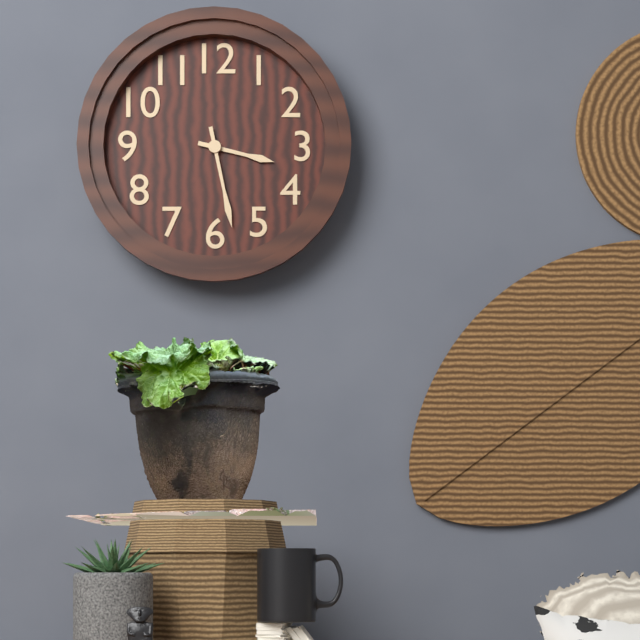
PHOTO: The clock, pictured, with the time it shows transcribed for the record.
3:28
